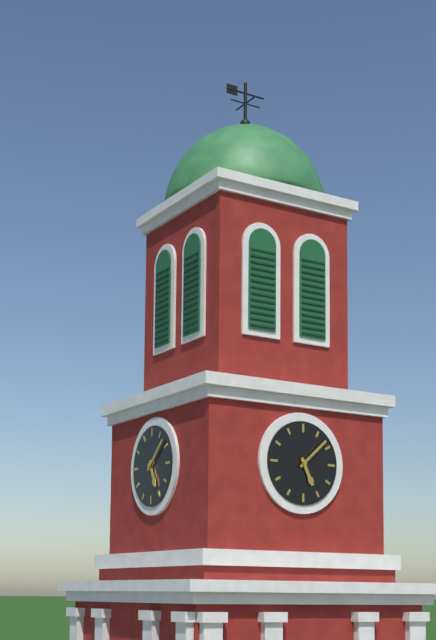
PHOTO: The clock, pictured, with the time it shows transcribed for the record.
5:08
